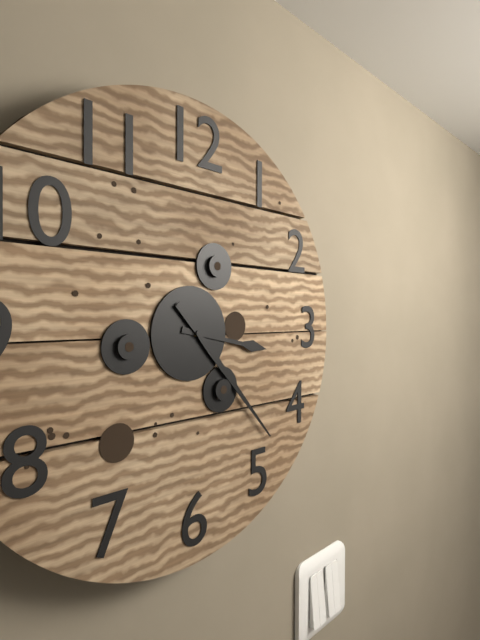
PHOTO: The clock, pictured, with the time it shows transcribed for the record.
3:23
